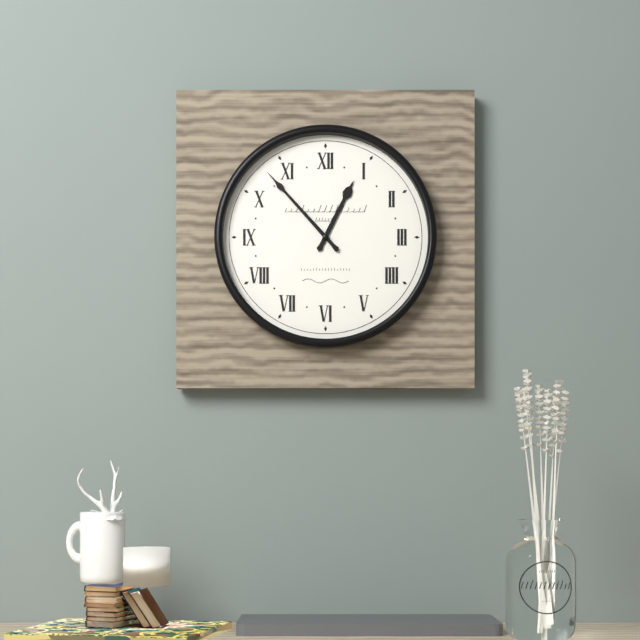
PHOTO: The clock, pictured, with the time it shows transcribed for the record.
12:53
